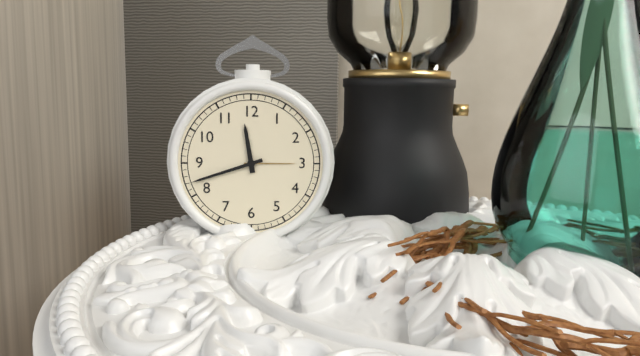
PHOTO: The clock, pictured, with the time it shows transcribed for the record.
11:42
